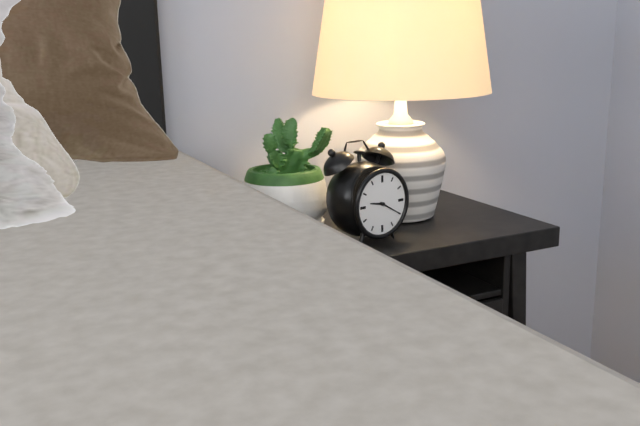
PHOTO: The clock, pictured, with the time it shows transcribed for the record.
9:20
